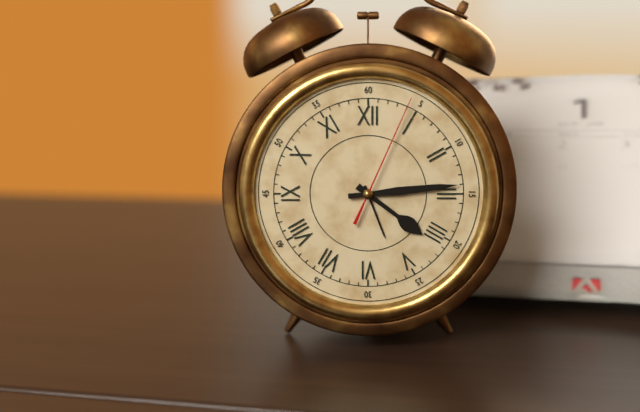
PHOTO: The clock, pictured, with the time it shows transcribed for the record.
4:14:04
